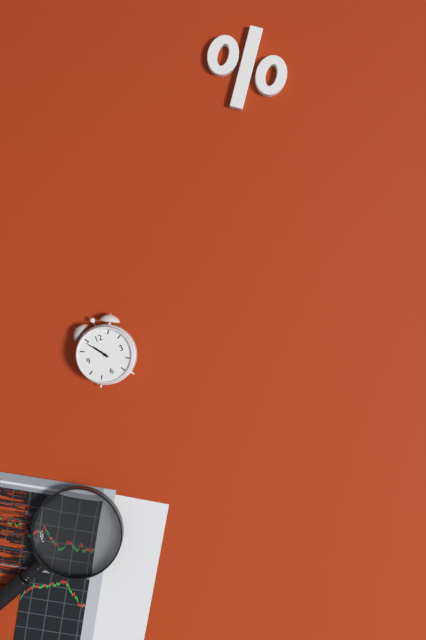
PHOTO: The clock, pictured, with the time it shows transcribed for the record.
10:54
